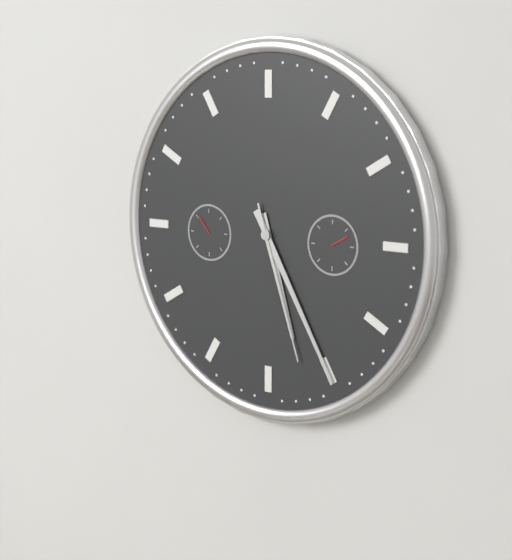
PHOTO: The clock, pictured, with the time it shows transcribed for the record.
5:25:27
